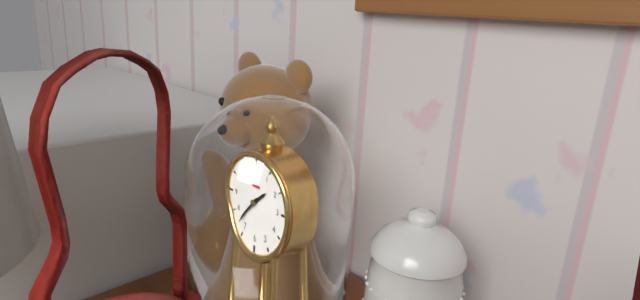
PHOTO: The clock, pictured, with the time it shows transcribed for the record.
1:37
